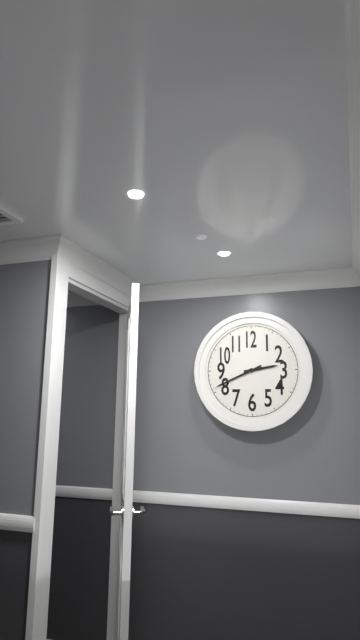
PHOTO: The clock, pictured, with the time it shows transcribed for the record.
2:41
